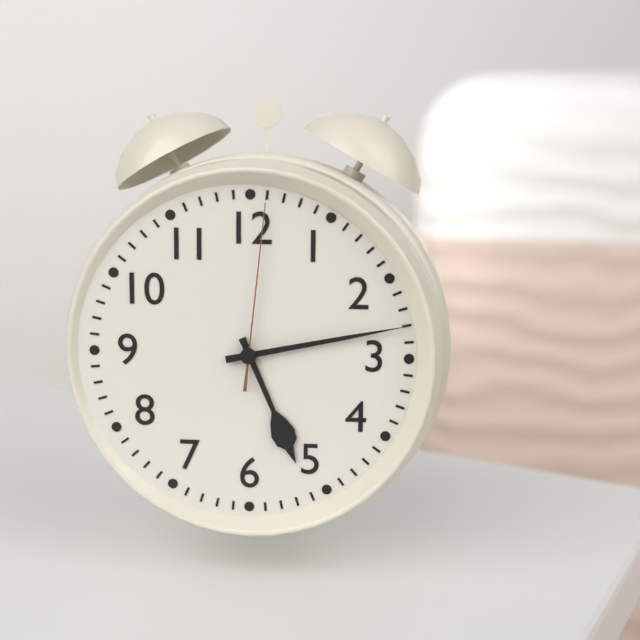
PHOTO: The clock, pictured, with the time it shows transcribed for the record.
5:13:01
